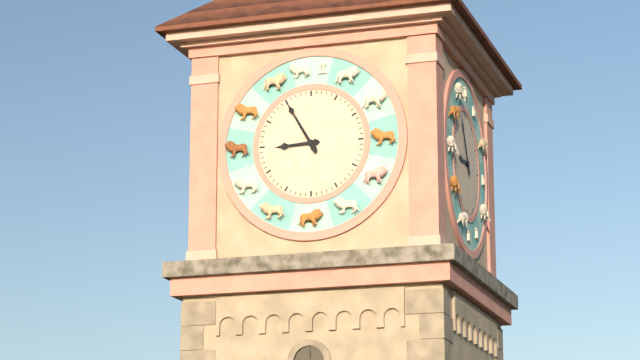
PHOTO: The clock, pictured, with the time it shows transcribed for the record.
8:55
